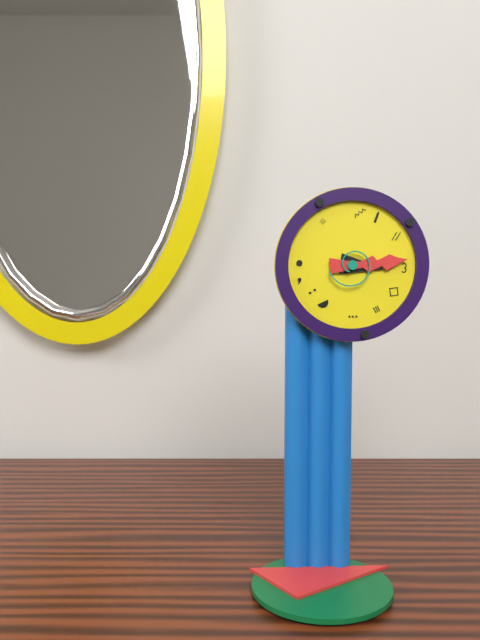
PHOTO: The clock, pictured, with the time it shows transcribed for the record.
3:14
